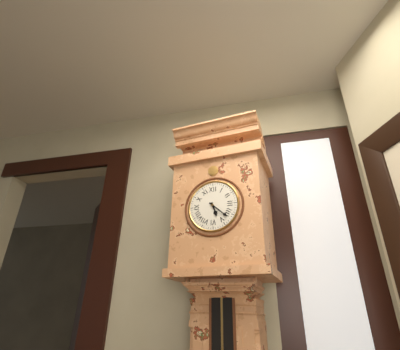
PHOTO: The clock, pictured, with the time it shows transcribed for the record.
5:22
